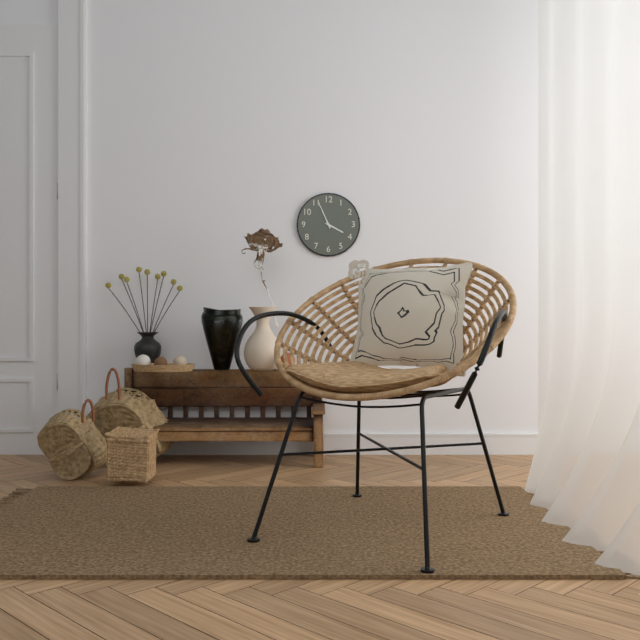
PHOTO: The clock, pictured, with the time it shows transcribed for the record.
3:56
